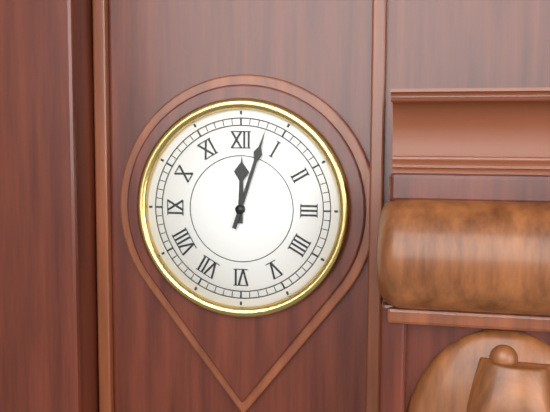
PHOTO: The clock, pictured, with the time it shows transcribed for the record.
12:03
